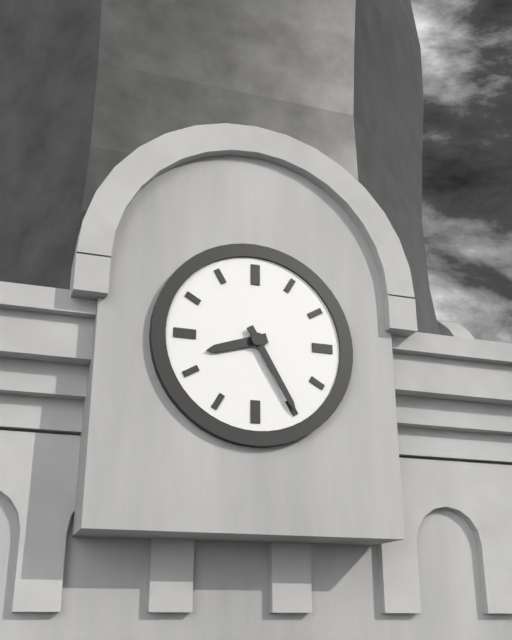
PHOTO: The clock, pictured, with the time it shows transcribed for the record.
8:25
